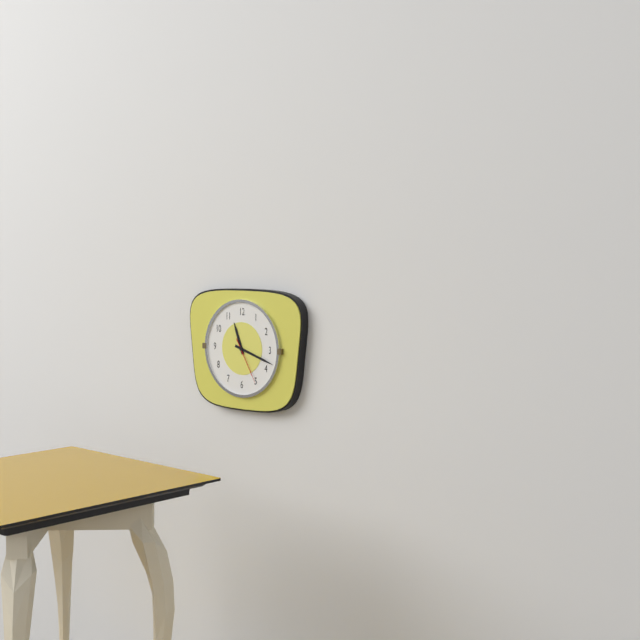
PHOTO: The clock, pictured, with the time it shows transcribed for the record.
11:18
